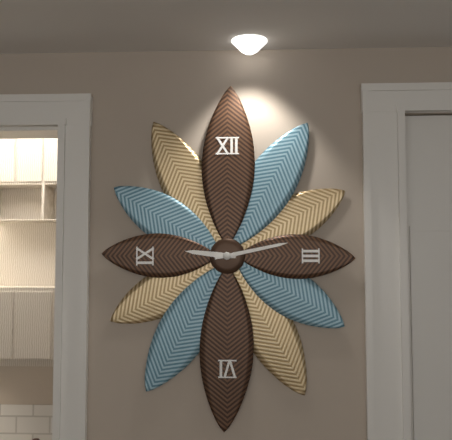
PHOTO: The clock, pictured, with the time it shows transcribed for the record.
9:13
